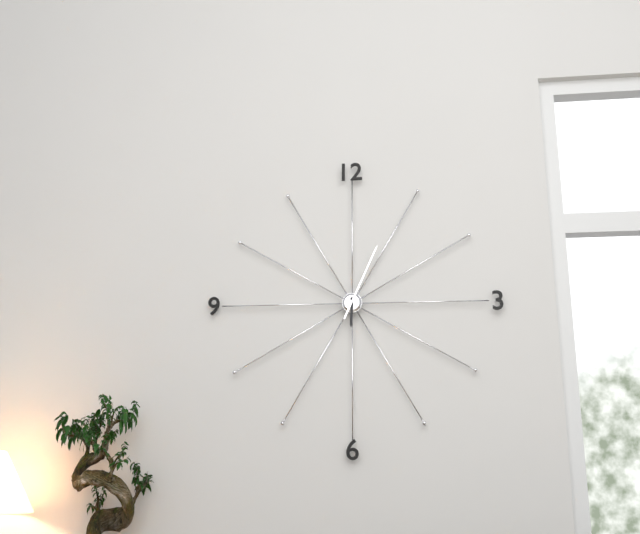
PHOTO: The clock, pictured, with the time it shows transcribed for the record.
6:04
